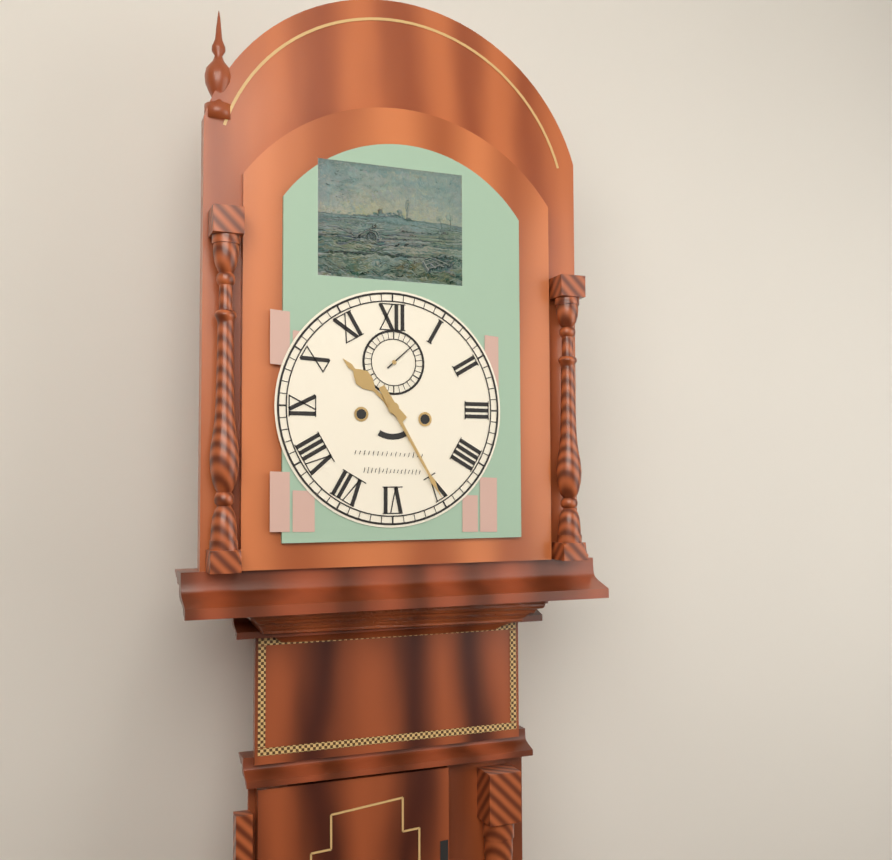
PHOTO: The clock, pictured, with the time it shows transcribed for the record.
10:25
